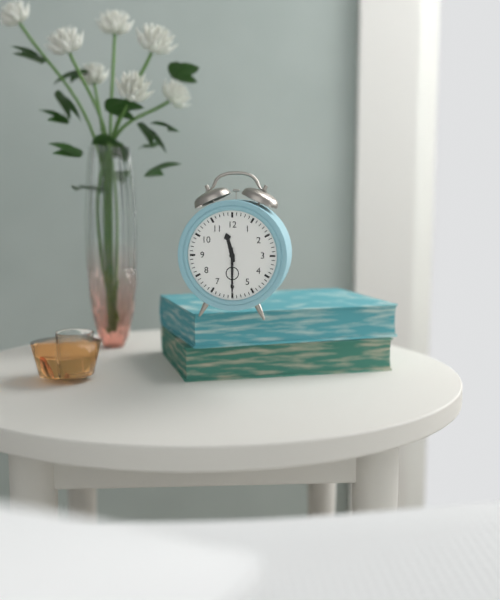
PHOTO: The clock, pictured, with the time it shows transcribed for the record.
11:30
